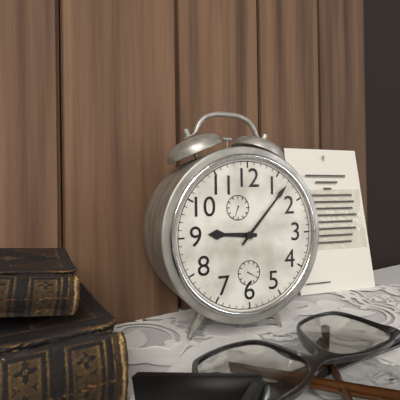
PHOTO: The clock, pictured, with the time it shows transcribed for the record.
9:07
